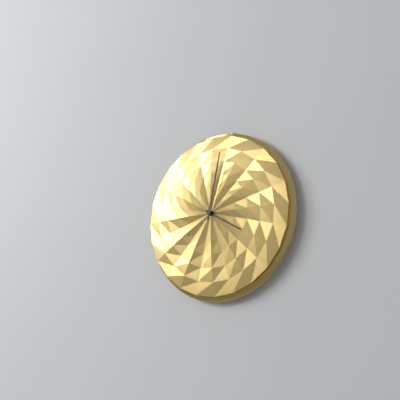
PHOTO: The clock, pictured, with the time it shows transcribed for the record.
4:02
